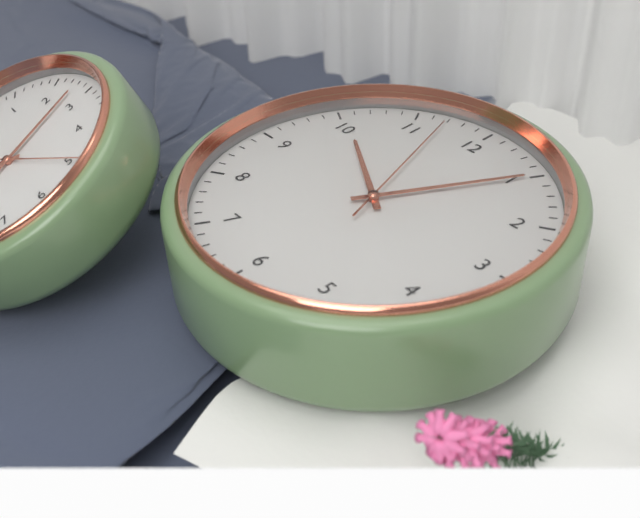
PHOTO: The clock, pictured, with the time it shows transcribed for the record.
10:05:57
